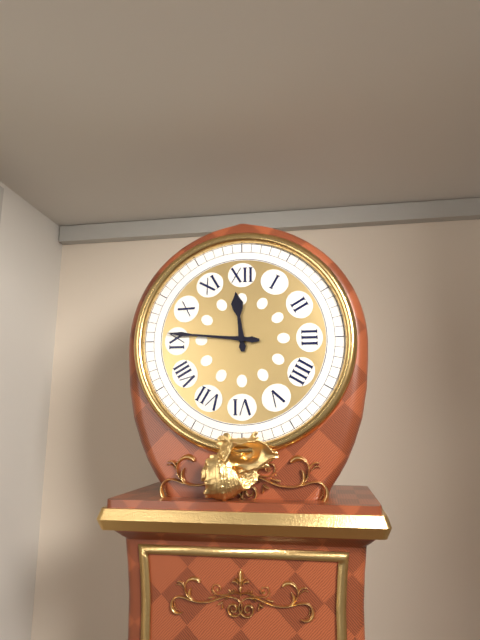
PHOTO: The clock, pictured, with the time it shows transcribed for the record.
11:46
